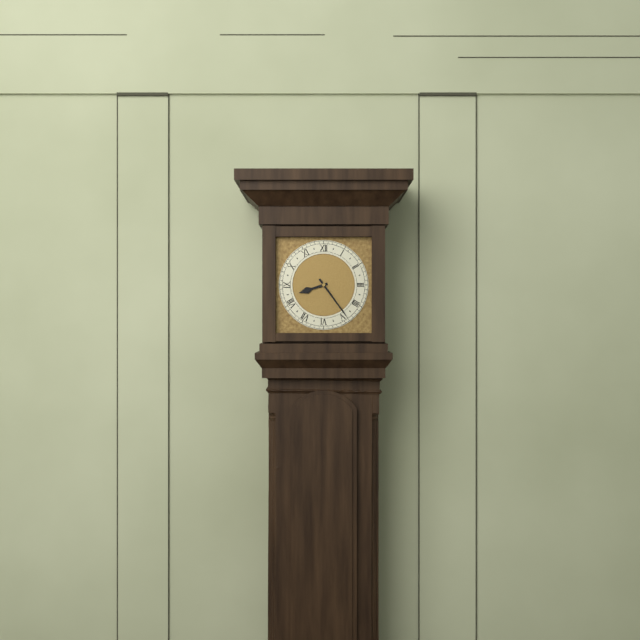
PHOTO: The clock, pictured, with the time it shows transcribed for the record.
8:24
